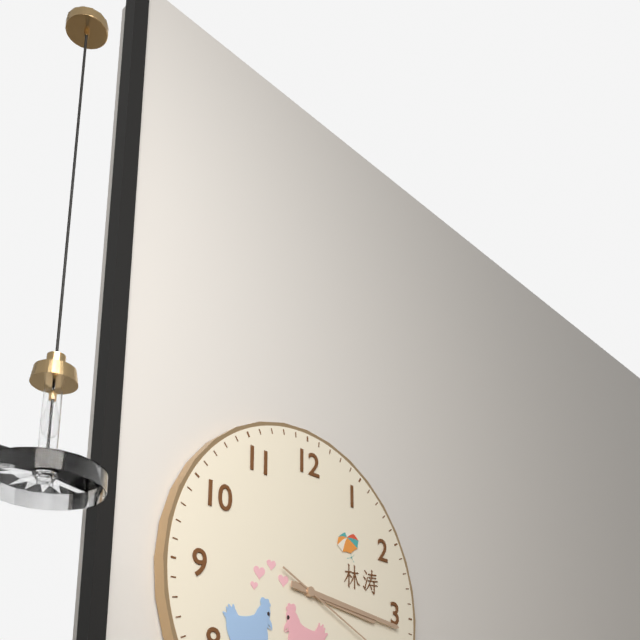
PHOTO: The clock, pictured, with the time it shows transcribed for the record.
3:16
